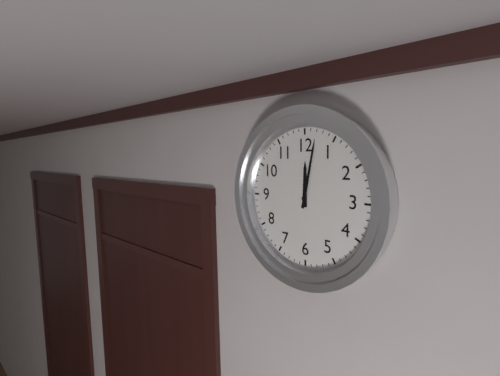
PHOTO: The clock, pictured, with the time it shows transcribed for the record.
12:02
